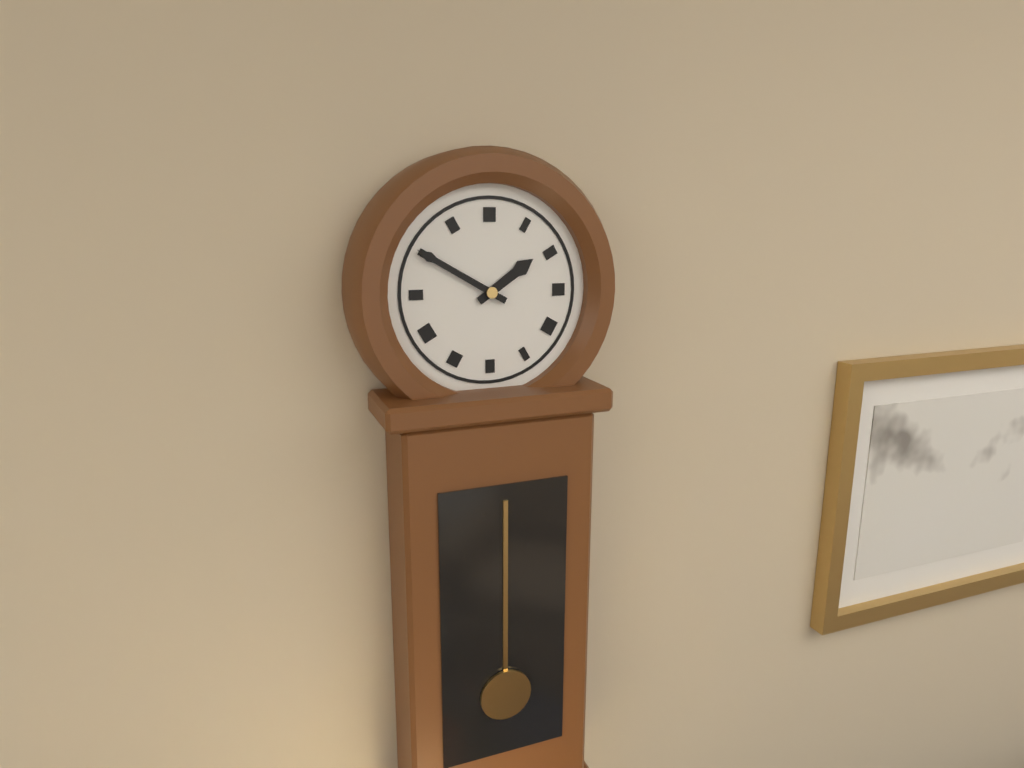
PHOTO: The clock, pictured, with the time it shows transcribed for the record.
1:50
